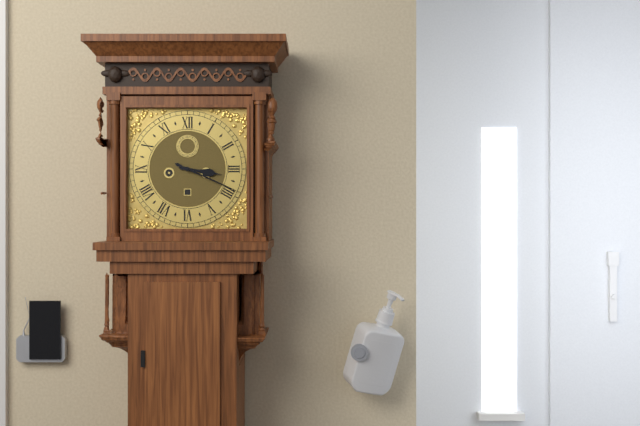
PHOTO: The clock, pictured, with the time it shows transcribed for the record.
3:19
